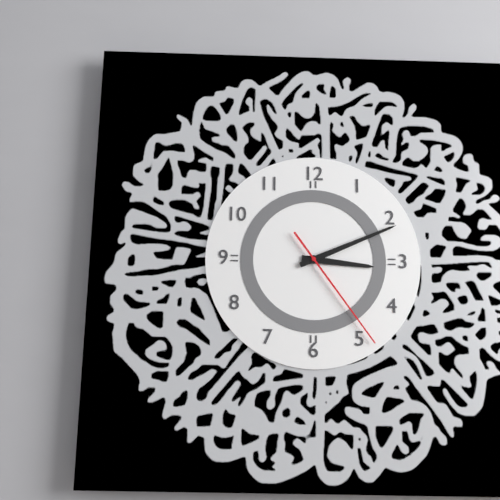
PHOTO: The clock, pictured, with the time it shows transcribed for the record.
3:11:24
